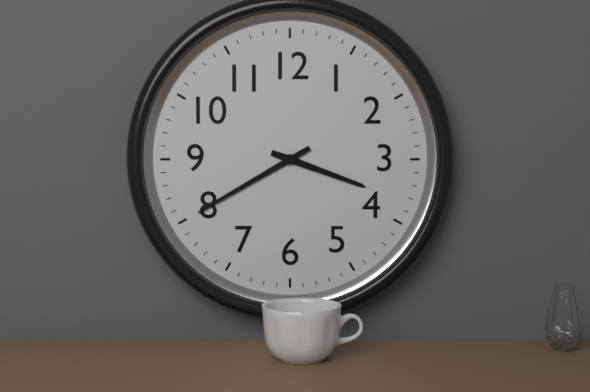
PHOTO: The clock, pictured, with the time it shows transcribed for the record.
3:40
